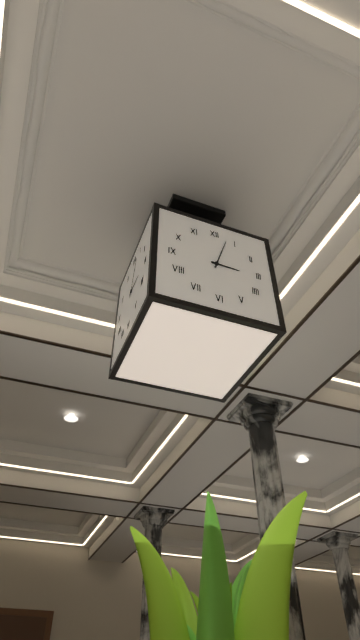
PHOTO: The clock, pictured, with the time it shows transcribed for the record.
3:03
